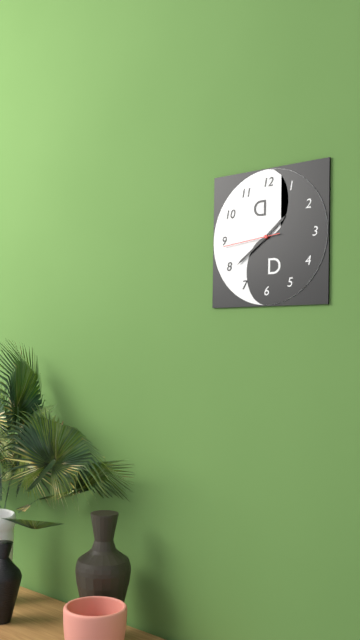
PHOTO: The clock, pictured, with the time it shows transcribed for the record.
1:39:44
